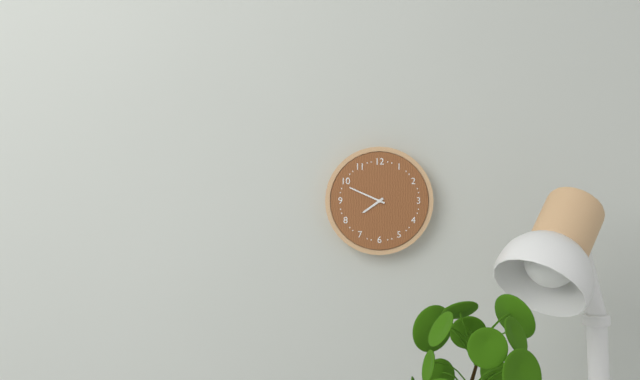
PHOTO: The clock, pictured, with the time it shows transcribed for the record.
7:49
